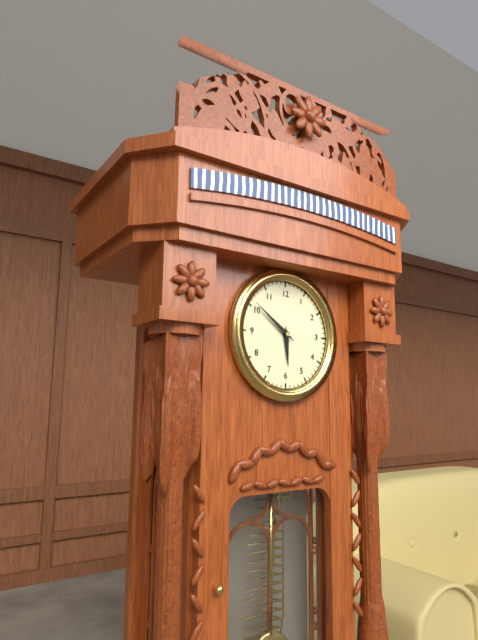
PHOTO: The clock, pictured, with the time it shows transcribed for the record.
5:51
